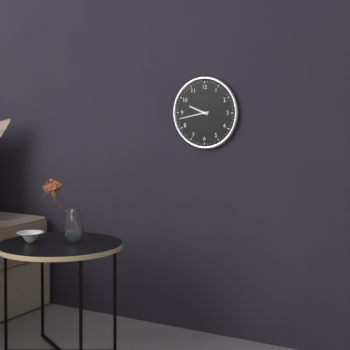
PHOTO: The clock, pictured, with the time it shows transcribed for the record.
9:43
